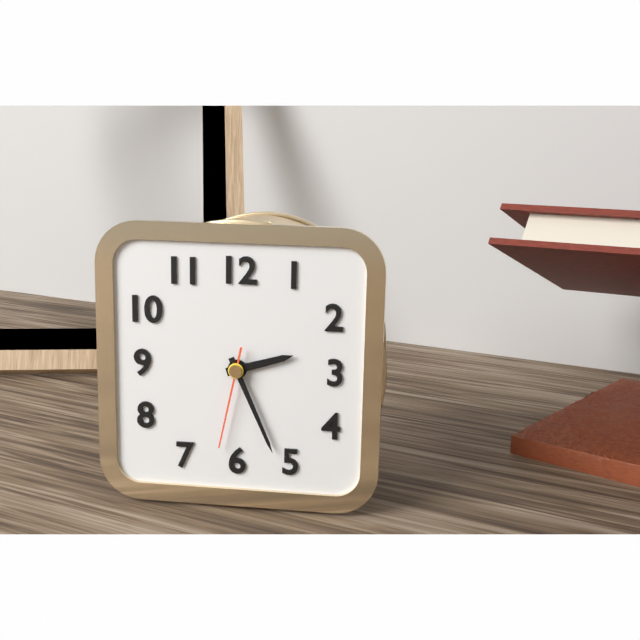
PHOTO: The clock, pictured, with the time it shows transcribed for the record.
2:26:32
